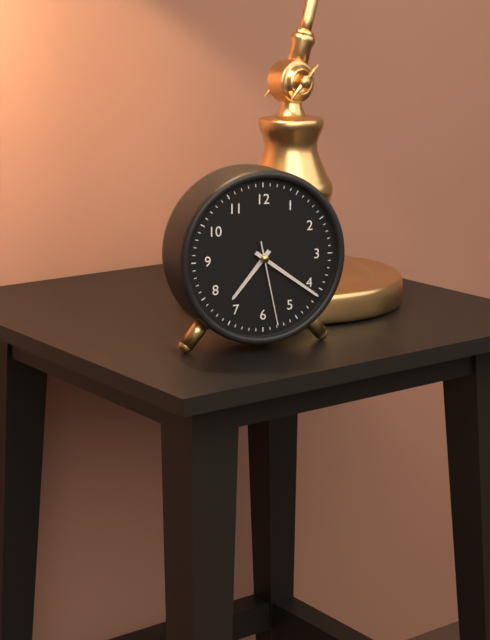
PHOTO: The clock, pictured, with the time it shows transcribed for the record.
7:21:28
